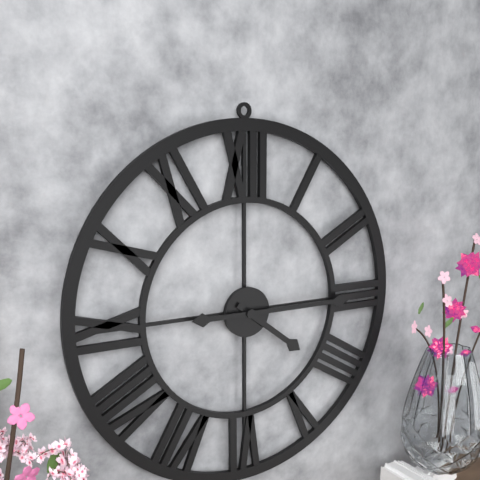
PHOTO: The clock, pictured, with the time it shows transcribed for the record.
4:15
